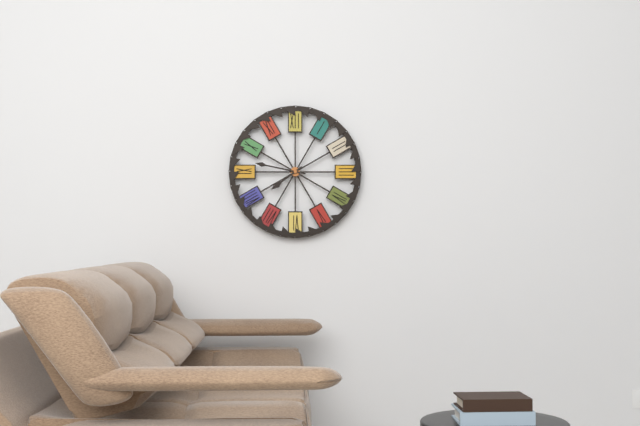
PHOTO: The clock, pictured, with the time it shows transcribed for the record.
7:47
